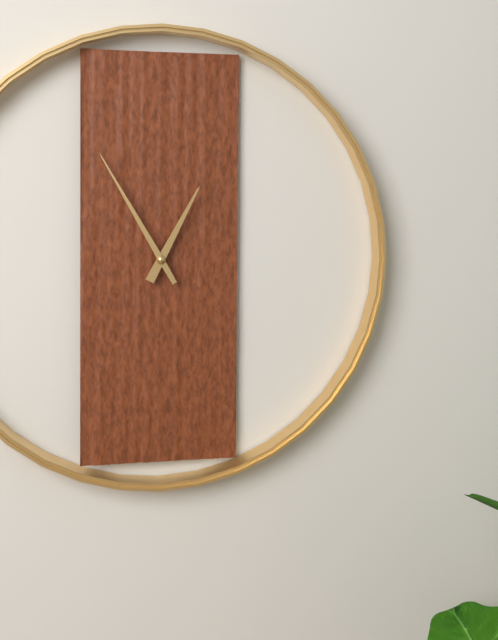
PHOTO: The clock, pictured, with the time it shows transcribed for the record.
12:55
